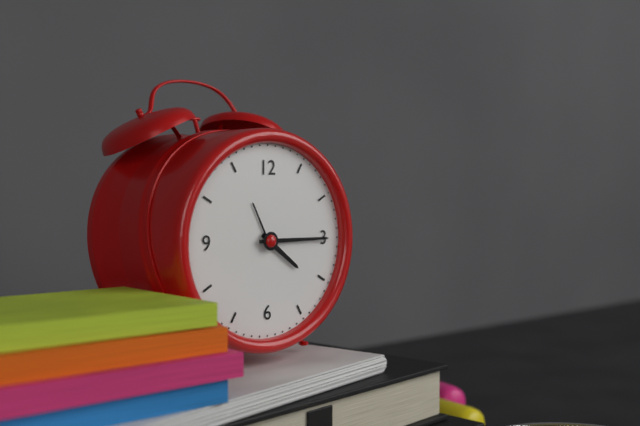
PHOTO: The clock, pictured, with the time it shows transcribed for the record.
4:15
